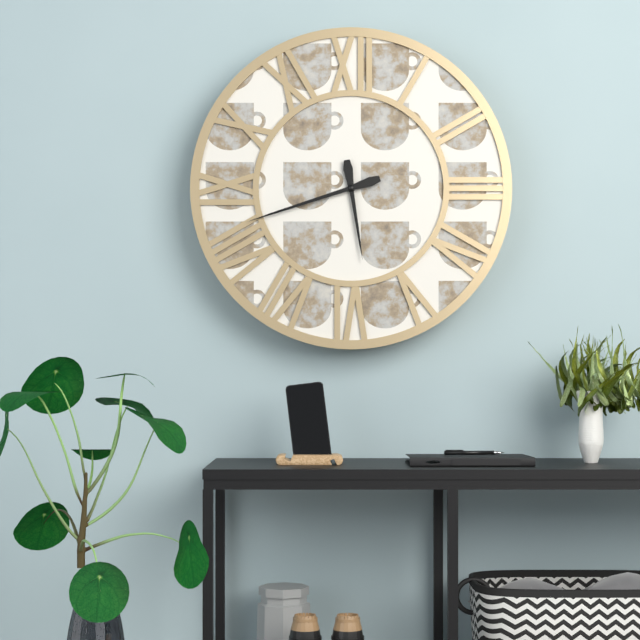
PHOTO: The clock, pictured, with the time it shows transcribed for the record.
5:42
